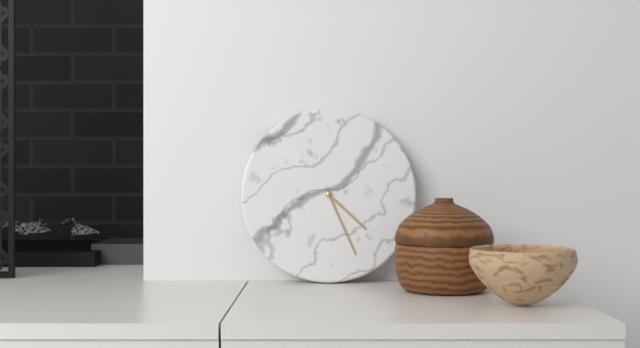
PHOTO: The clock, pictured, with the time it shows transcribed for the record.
4:26
